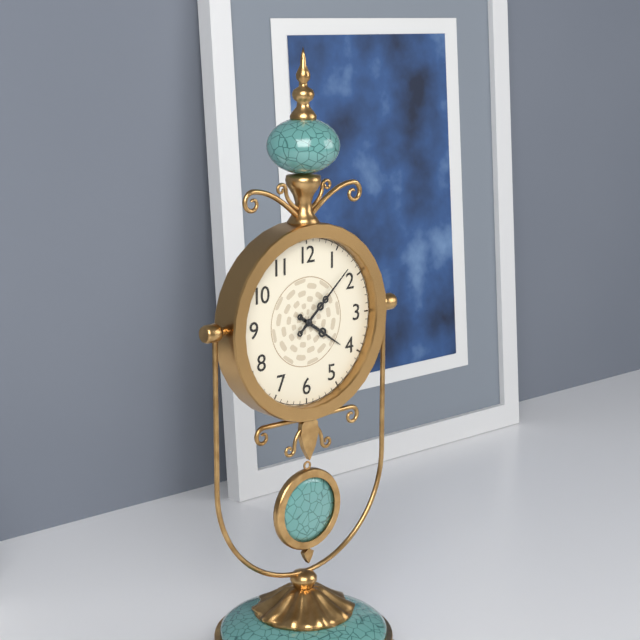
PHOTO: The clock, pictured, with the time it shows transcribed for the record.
4:08
